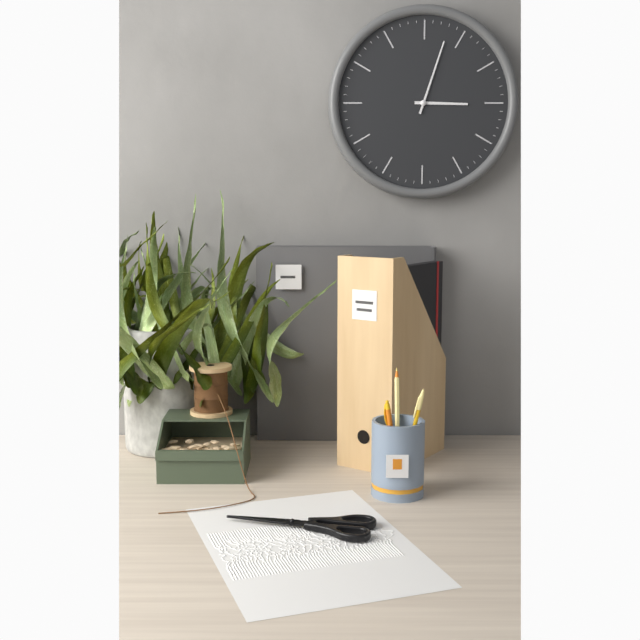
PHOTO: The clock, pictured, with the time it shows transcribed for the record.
3:03
